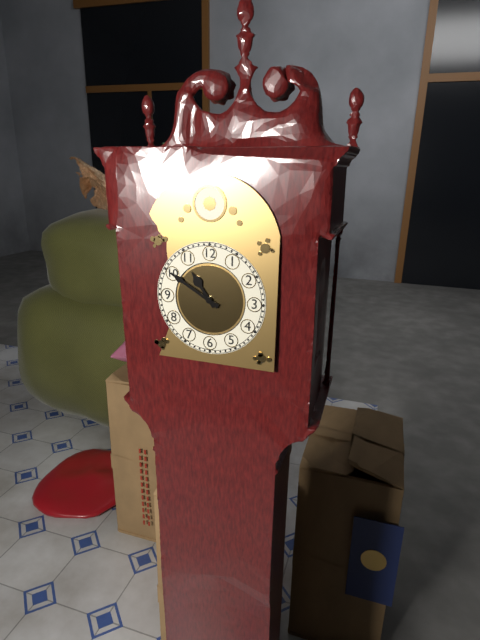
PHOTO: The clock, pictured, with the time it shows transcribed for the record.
10:50
